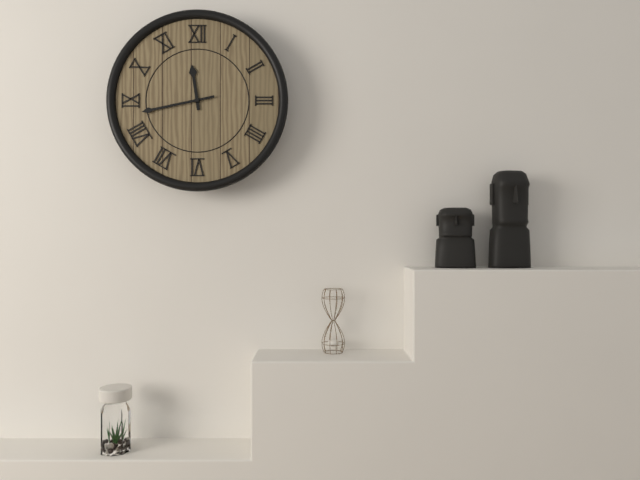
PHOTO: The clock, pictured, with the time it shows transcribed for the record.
11:43
